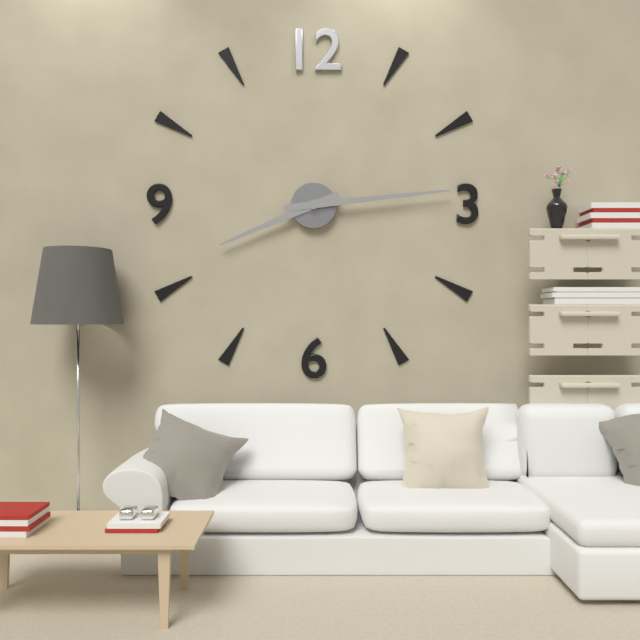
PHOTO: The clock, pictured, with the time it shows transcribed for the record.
8:14
